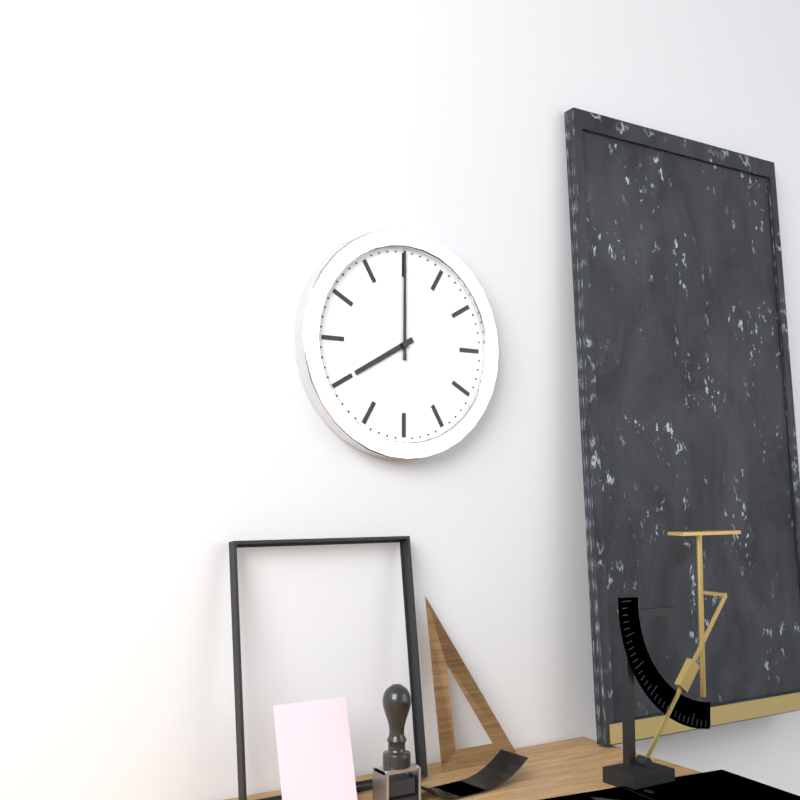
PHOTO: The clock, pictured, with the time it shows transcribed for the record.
8:00
